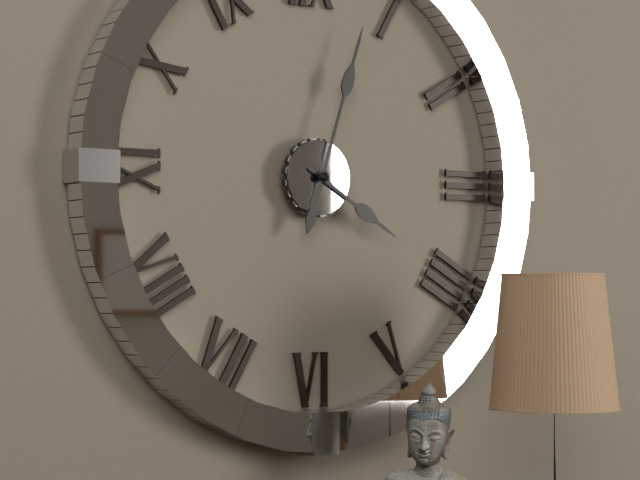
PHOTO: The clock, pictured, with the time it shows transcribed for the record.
4:03
